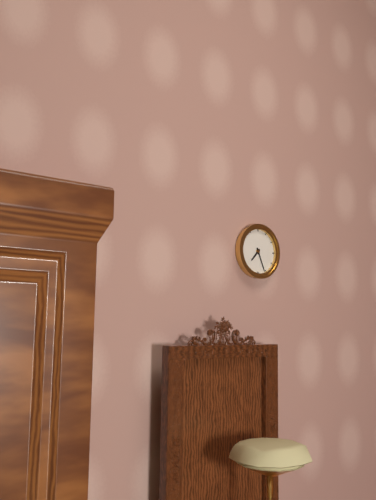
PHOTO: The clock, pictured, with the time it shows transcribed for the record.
7:26
